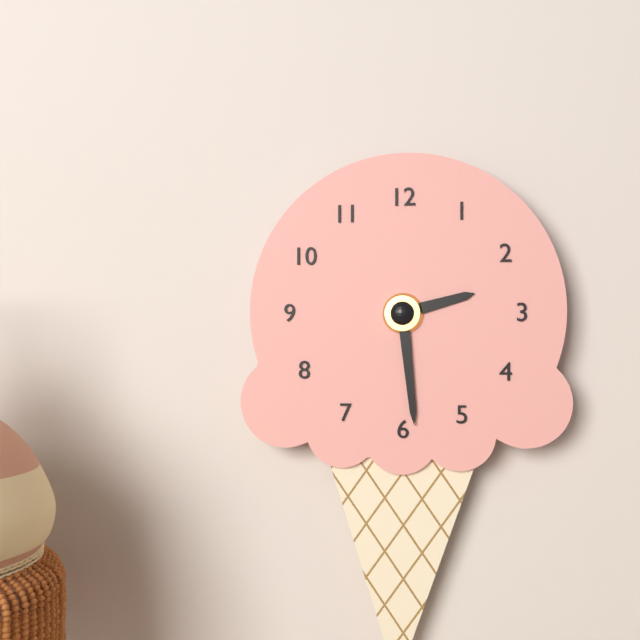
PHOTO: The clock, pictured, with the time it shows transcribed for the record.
2:29
